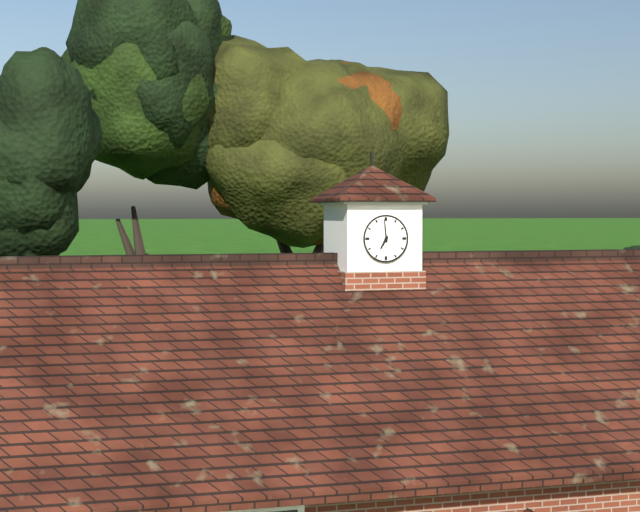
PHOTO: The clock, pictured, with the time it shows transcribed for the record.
6:59
